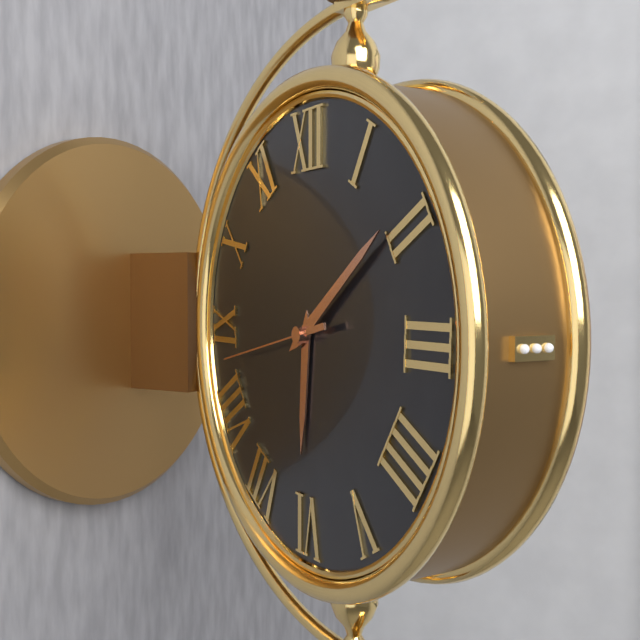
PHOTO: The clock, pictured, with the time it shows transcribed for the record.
6:09:43
